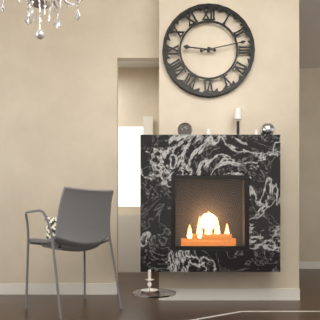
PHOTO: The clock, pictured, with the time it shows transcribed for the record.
9:13
